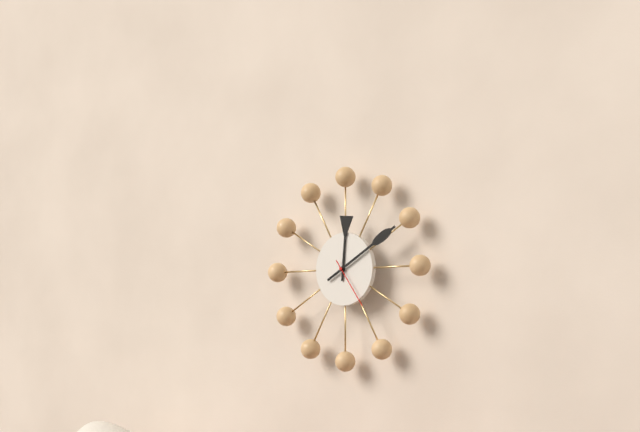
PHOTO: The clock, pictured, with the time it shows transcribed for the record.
12:10
